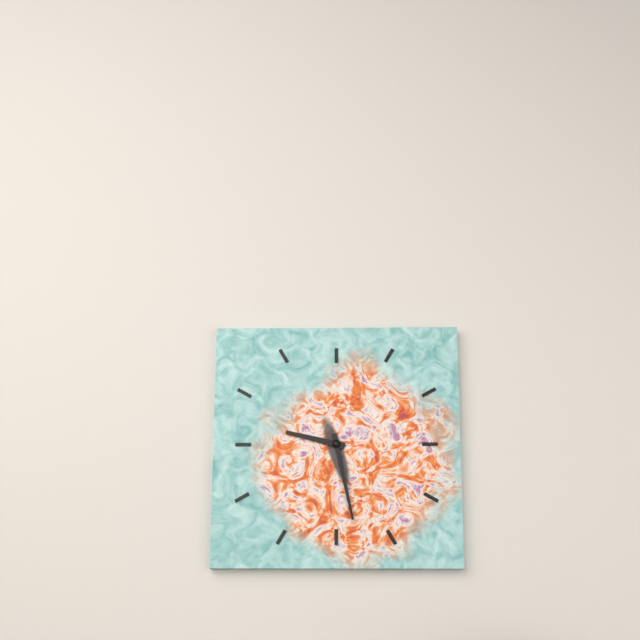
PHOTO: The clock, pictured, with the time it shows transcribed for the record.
9:28
